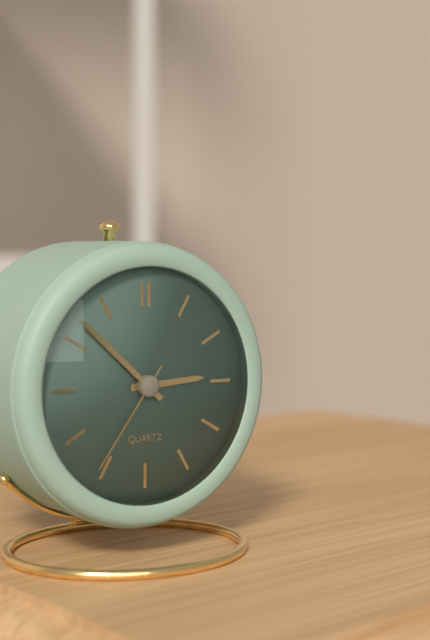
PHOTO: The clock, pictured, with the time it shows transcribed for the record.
2:52:36
